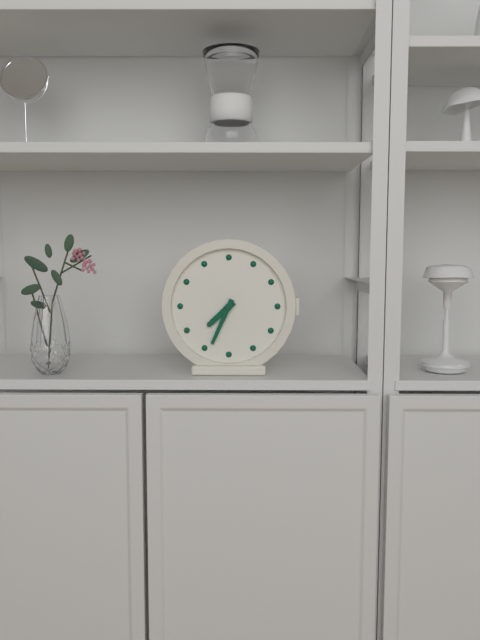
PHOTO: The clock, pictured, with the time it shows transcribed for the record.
7:34
